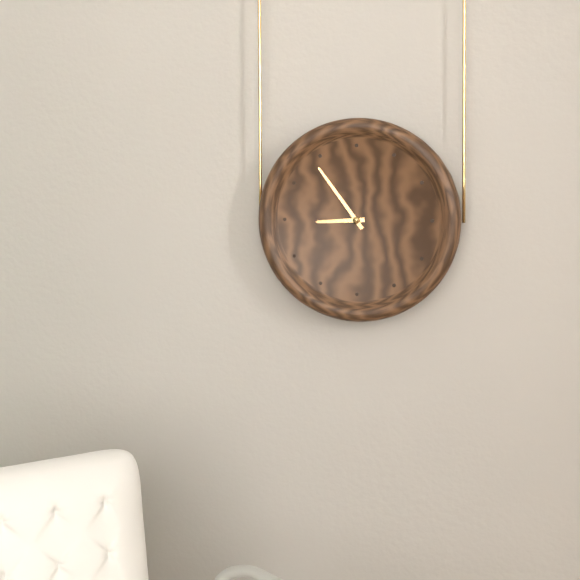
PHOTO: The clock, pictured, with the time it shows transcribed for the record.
8:54
